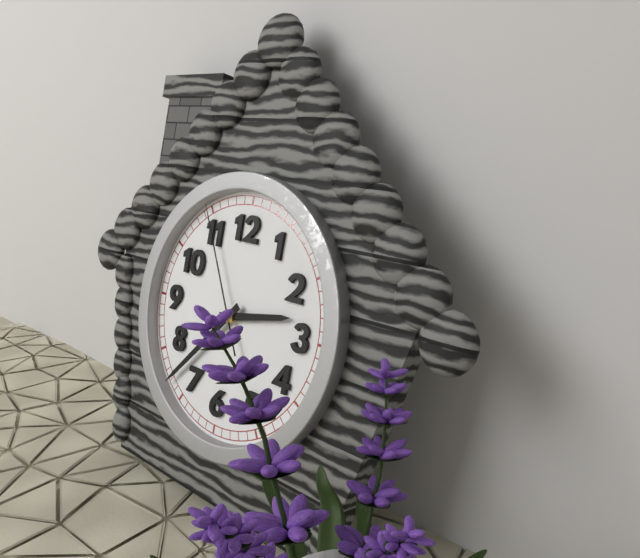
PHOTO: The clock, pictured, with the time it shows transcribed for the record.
2:37:55
